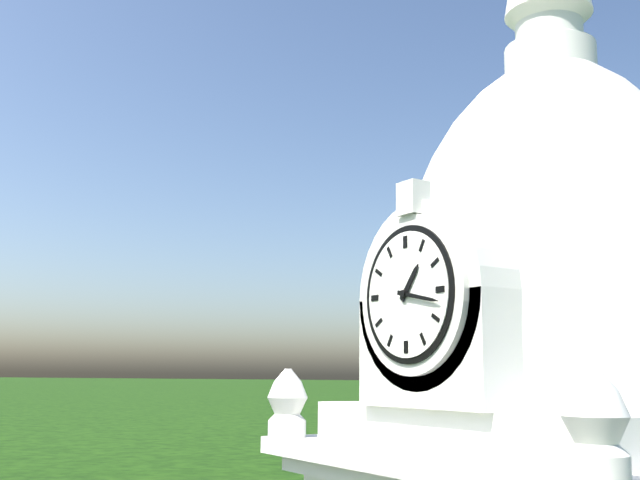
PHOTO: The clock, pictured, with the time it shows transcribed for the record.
1:17
